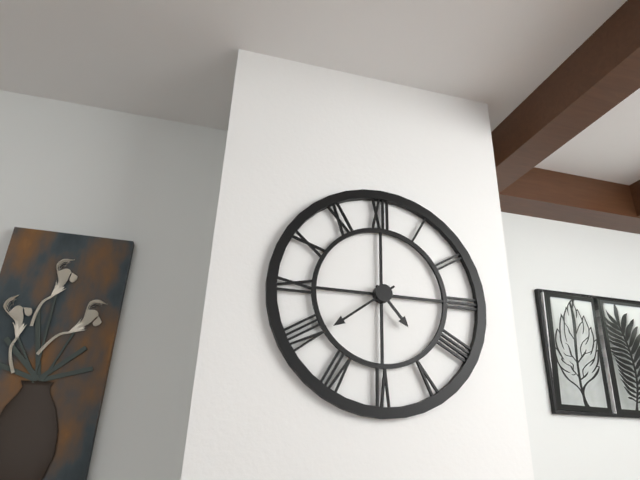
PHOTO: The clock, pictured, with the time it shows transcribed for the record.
4:39
